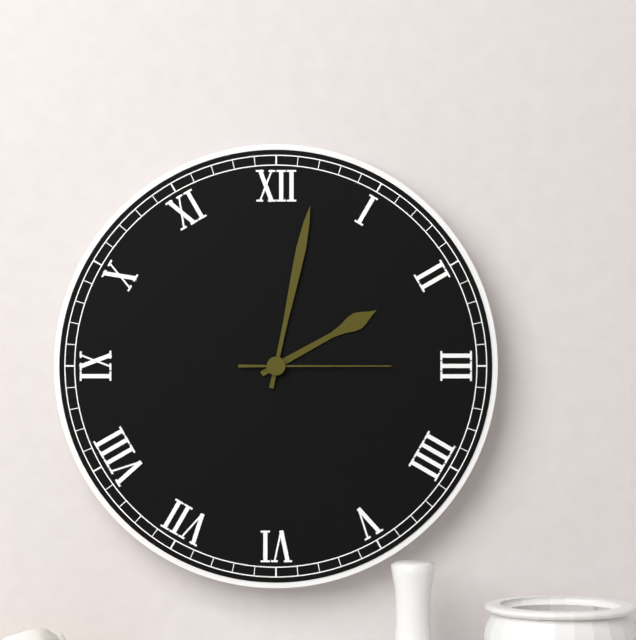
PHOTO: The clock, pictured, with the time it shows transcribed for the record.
2:02:15
